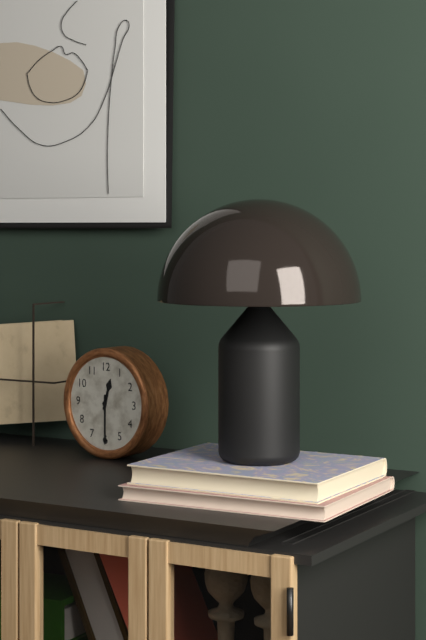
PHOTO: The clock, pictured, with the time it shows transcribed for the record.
12:30
